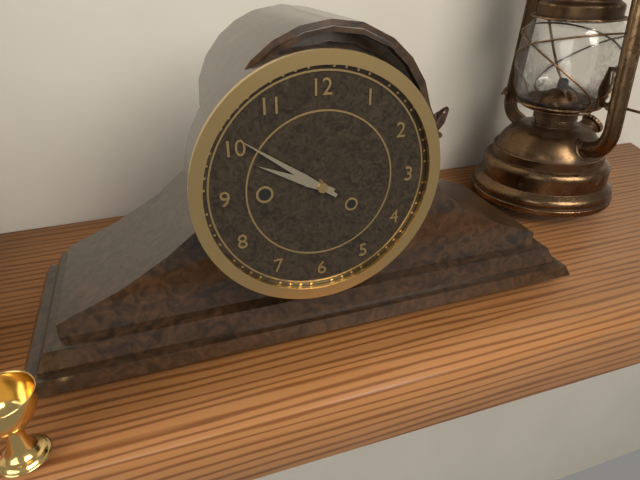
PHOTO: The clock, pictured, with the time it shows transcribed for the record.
9:51
